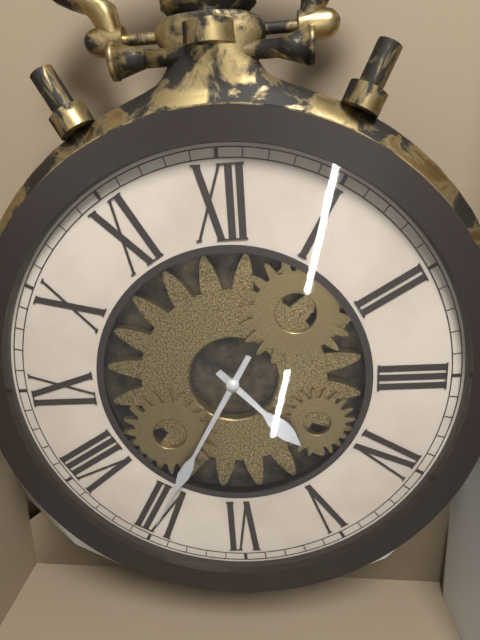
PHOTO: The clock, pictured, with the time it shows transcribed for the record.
4:35
